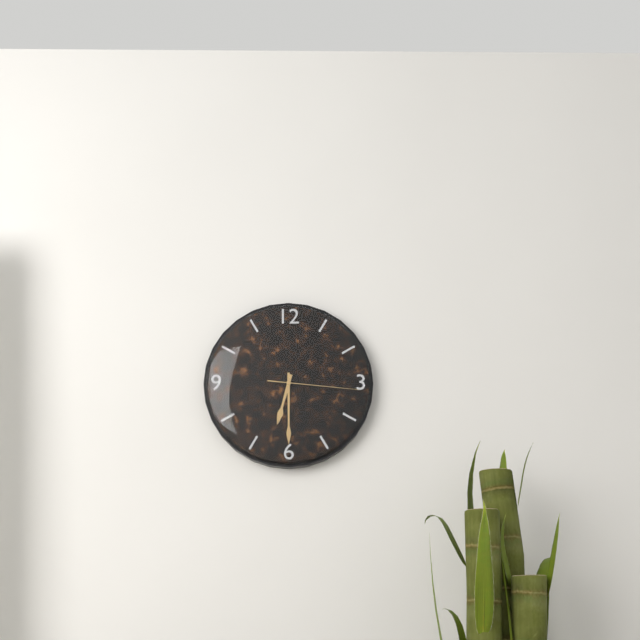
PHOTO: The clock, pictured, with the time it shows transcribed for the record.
6:30:16
